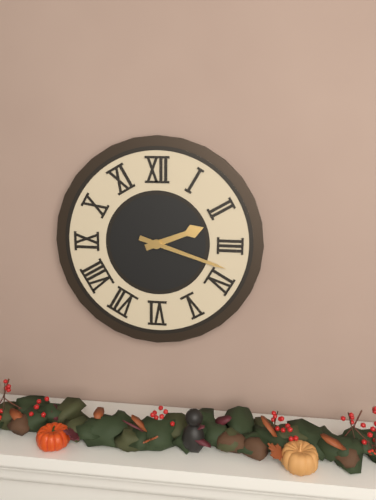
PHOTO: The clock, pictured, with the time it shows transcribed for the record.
2:18
